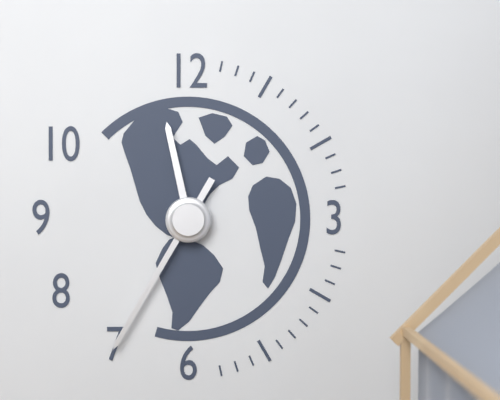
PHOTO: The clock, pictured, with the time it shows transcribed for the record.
11:35
